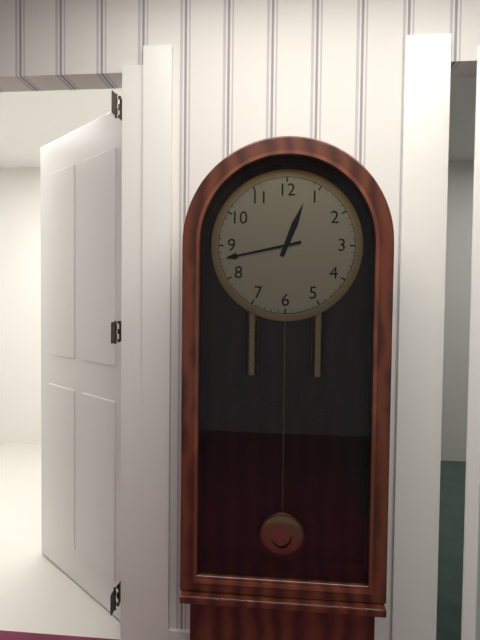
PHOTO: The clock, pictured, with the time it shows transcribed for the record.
12:43
